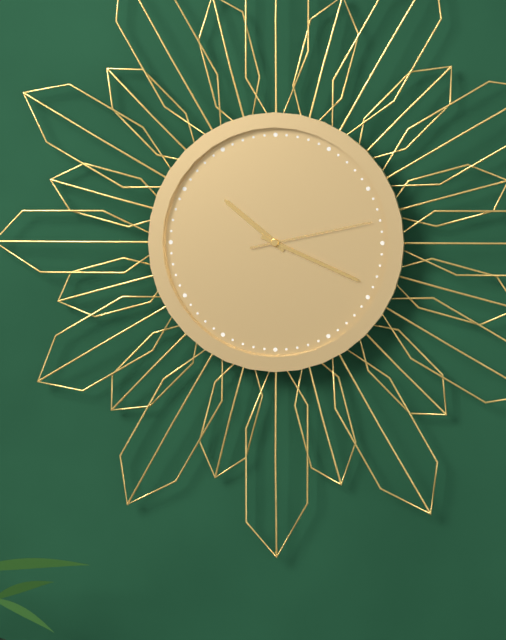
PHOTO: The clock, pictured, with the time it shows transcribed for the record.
10:19:13
